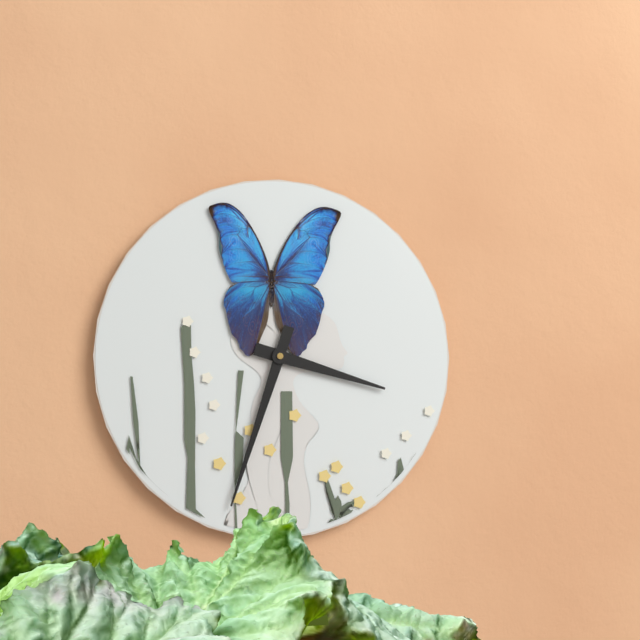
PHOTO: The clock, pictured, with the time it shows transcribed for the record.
3:33
